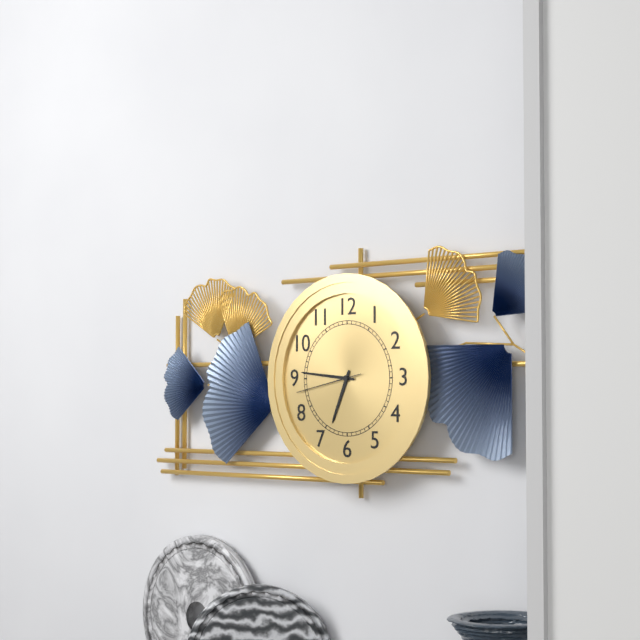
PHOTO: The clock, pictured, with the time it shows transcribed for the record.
6:46:43
